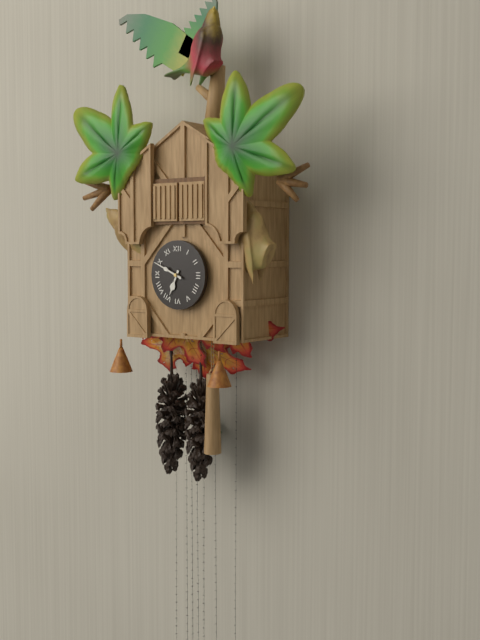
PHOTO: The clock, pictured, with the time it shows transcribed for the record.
6:49
